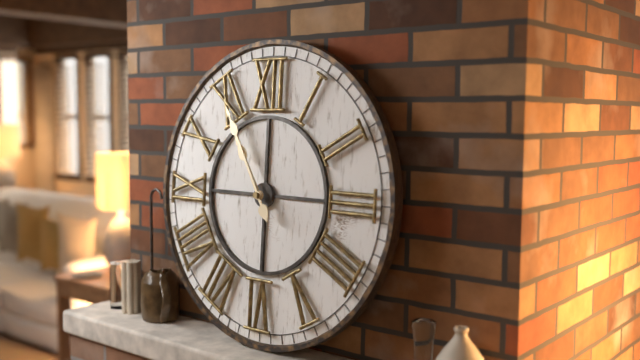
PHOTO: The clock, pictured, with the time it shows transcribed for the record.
10:55
